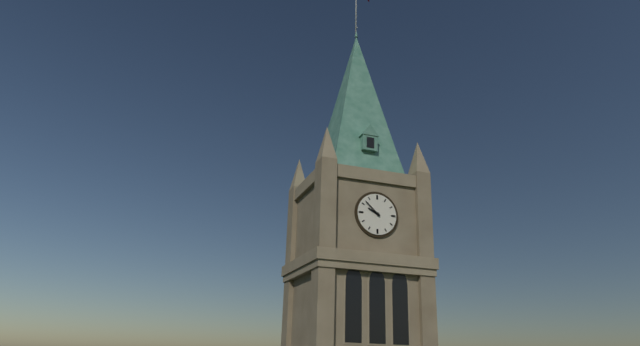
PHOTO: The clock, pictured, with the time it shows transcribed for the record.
9:52
